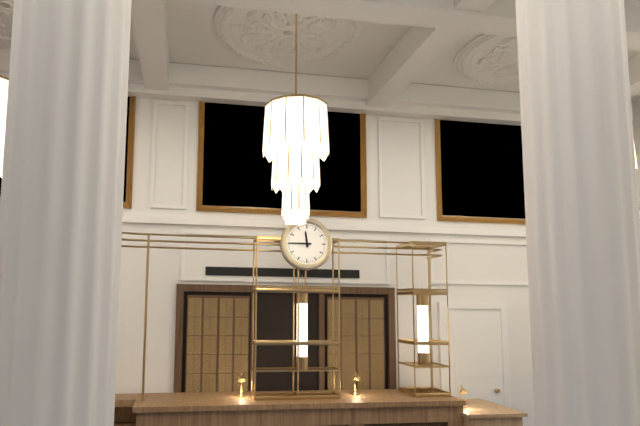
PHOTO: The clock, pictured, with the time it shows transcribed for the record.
11:45
